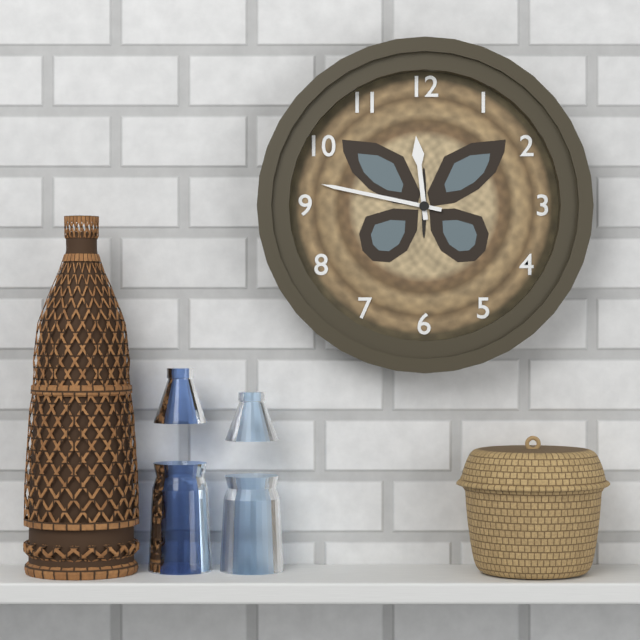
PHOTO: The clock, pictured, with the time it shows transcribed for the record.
11:47
